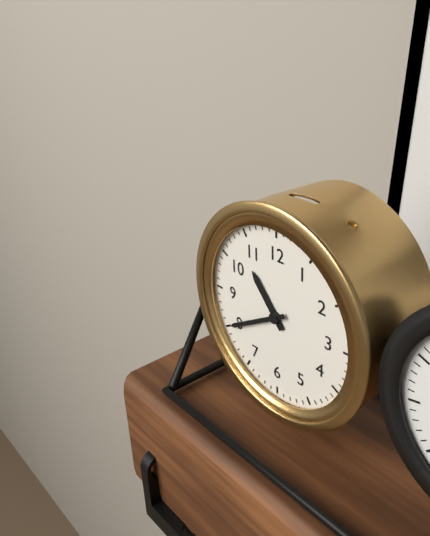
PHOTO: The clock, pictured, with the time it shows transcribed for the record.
10:40
